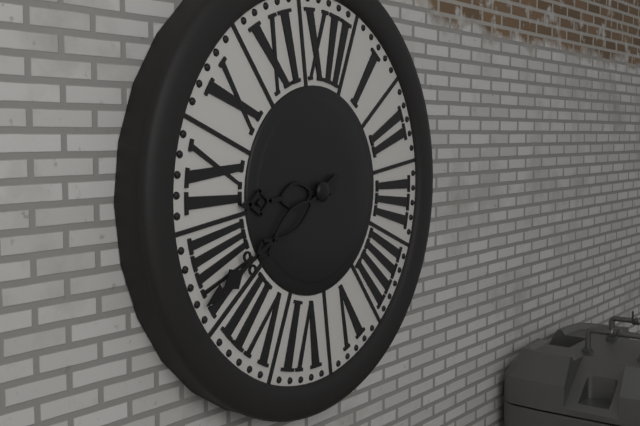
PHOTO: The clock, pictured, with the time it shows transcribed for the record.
8:39
